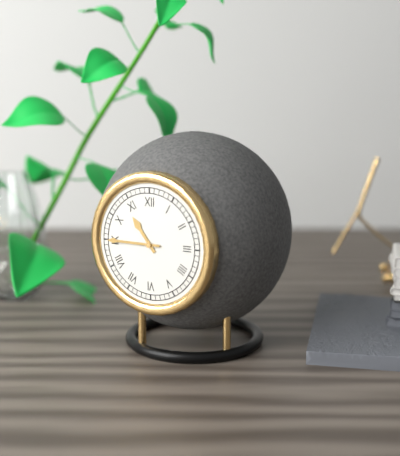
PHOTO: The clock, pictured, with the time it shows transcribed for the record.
10:45
